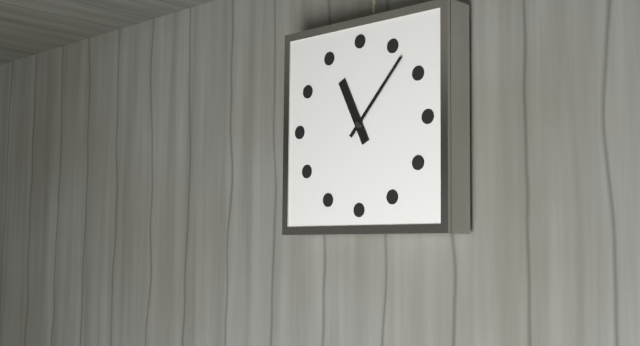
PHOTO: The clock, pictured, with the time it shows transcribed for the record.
11:07
